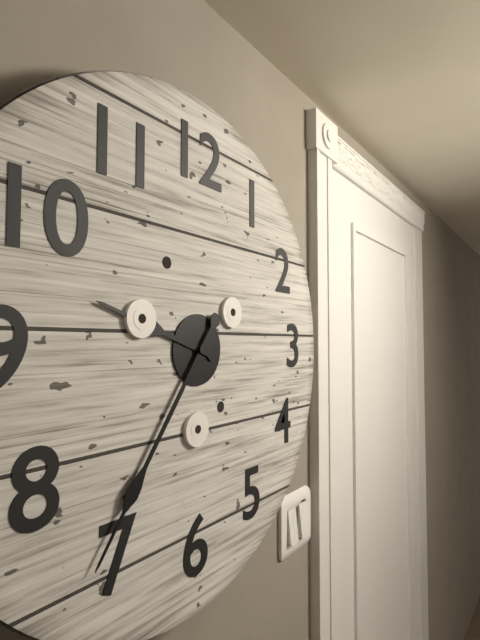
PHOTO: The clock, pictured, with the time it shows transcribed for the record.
9:36
